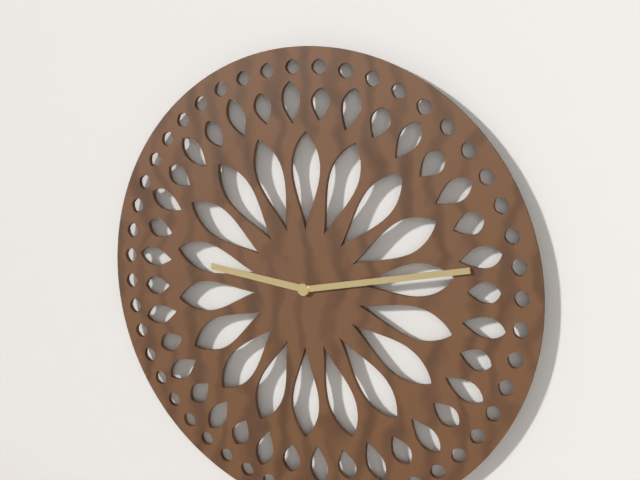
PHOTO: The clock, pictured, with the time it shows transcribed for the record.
9:13
